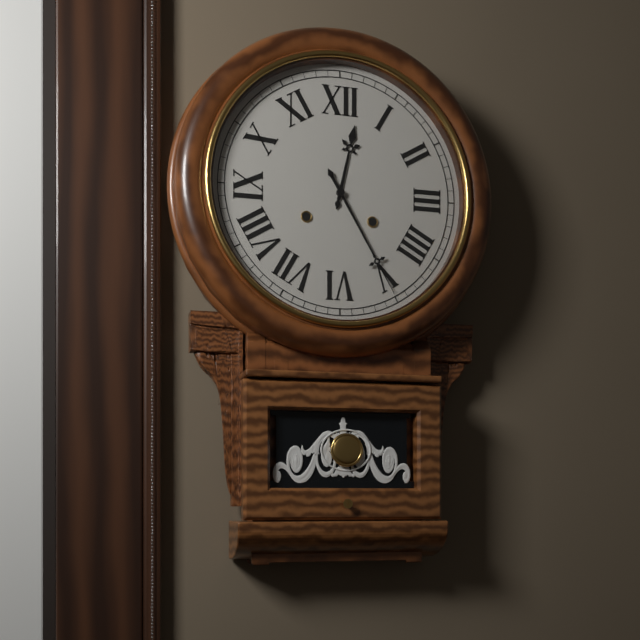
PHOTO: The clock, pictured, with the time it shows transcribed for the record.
12:25
